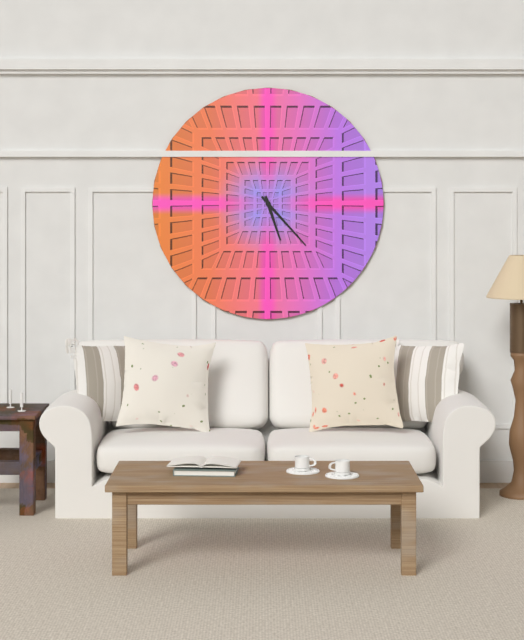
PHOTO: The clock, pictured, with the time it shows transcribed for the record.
5:23
